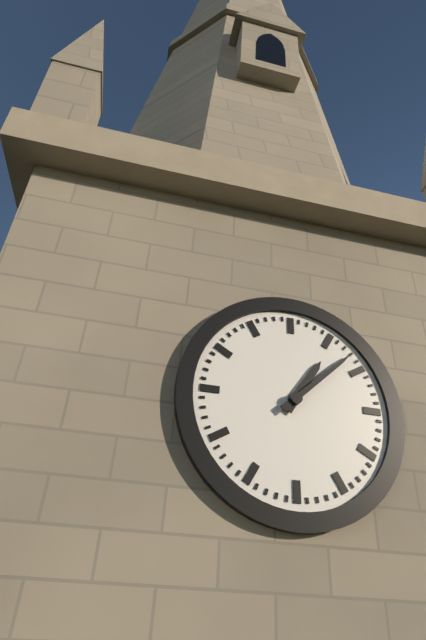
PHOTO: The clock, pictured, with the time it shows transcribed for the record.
1:08
